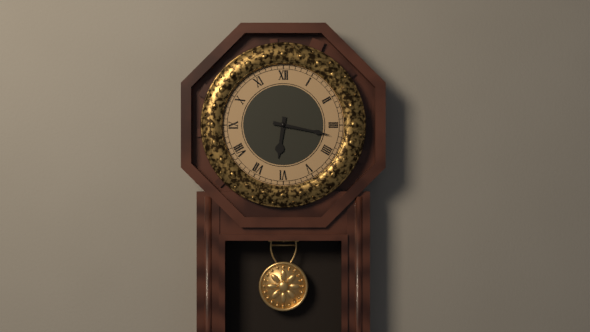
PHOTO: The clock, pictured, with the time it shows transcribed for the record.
6:17
